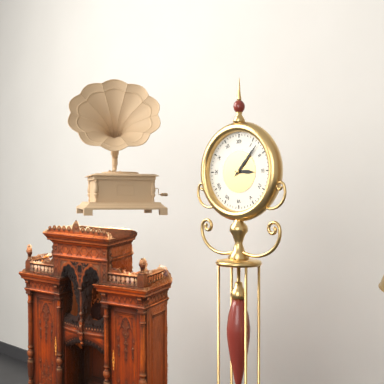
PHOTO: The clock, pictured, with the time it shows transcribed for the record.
3:07
